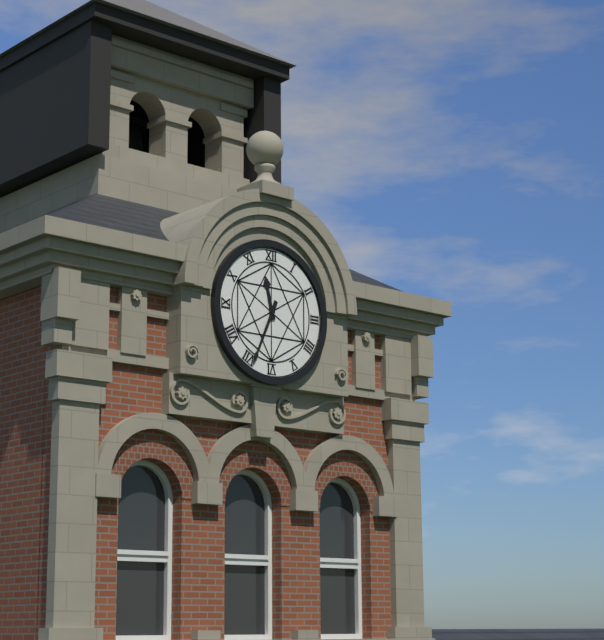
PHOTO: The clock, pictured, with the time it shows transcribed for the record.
11:34
